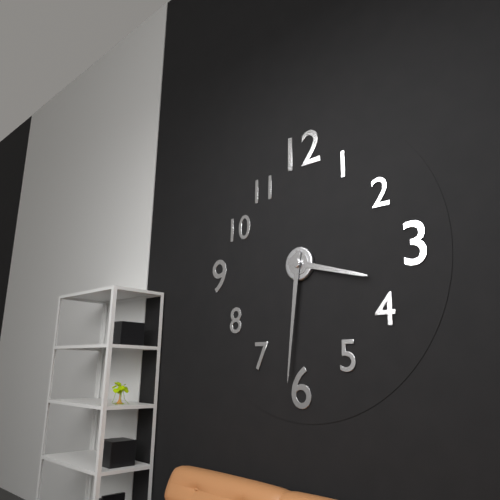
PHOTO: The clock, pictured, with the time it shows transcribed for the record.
3:31
